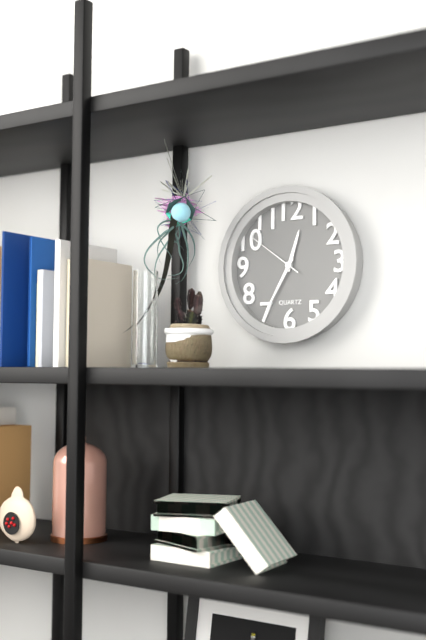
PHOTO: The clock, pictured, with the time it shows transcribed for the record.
12:35:51
